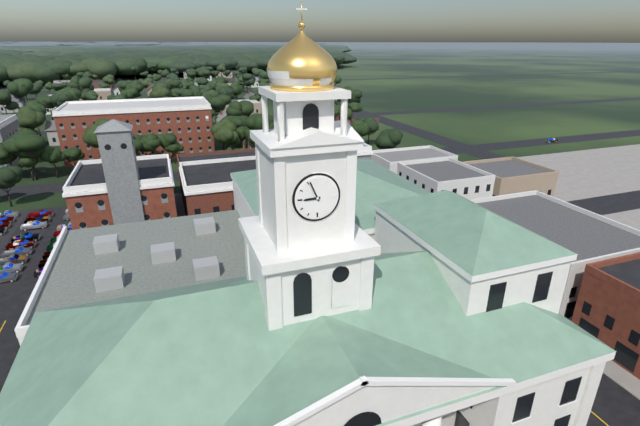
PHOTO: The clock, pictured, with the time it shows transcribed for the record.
8:56
